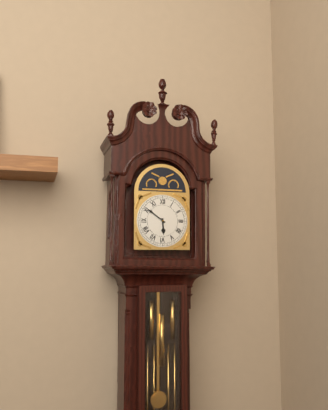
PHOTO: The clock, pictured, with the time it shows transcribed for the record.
5:51
